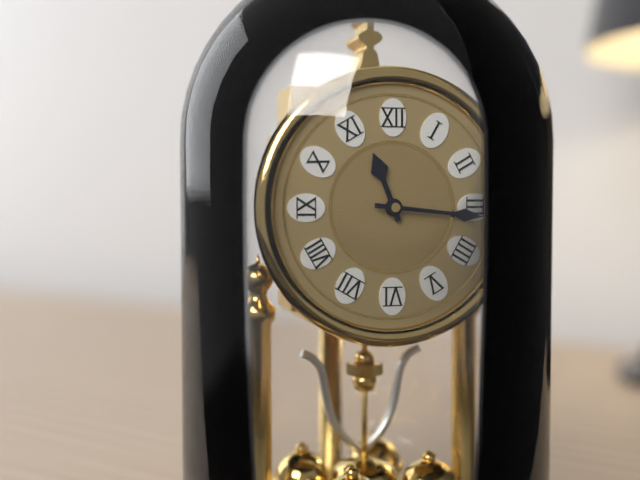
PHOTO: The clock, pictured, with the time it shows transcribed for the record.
11:16
